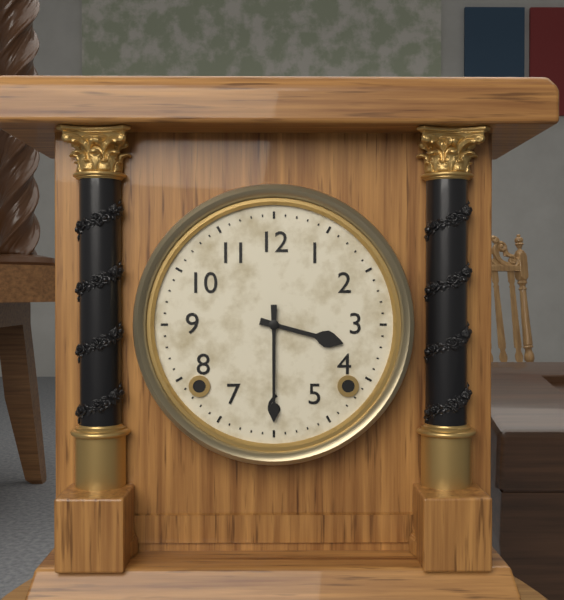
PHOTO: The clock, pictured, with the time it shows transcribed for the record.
3:30
